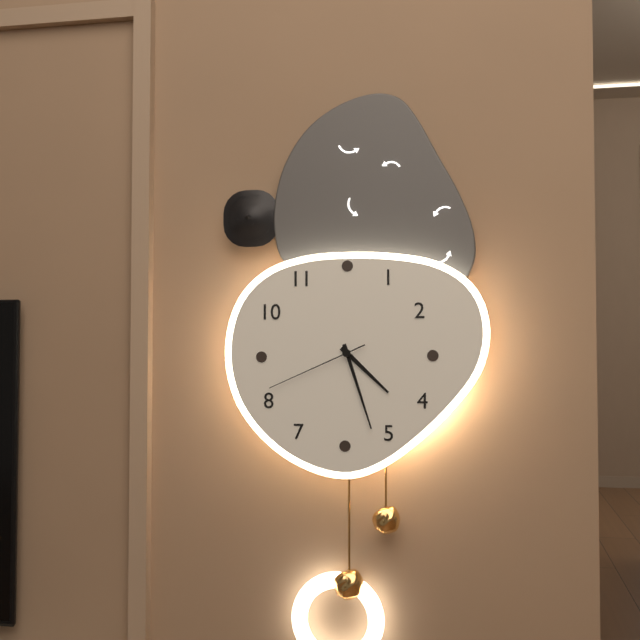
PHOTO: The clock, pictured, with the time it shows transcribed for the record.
4:27:41
